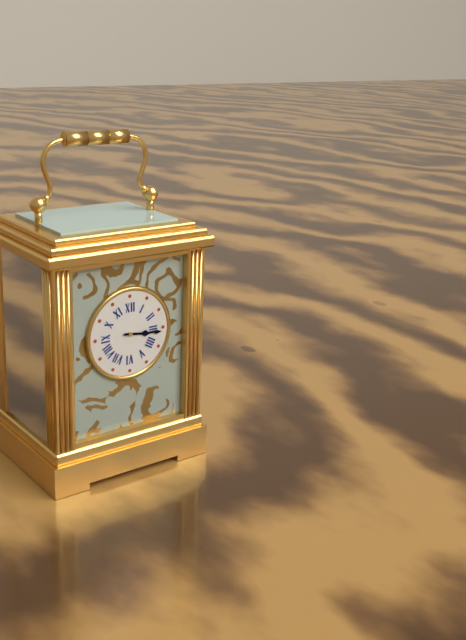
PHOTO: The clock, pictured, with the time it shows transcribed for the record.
3:16
